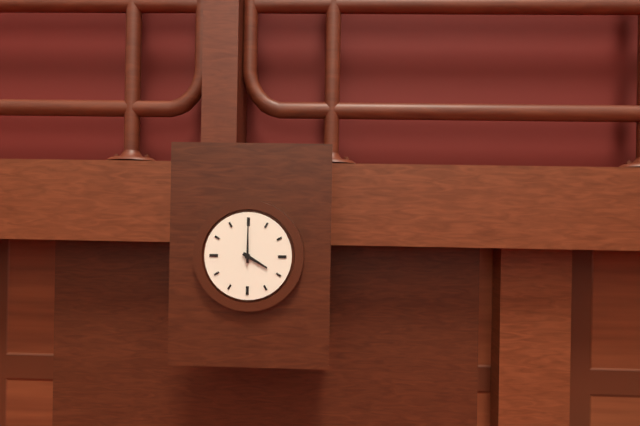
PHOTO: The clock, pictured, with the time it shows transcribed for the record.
4:00
